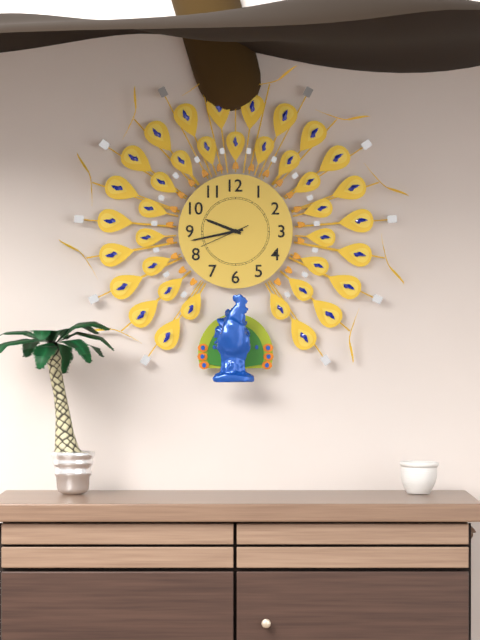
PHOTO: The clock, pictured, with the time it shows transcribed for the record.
9:43
